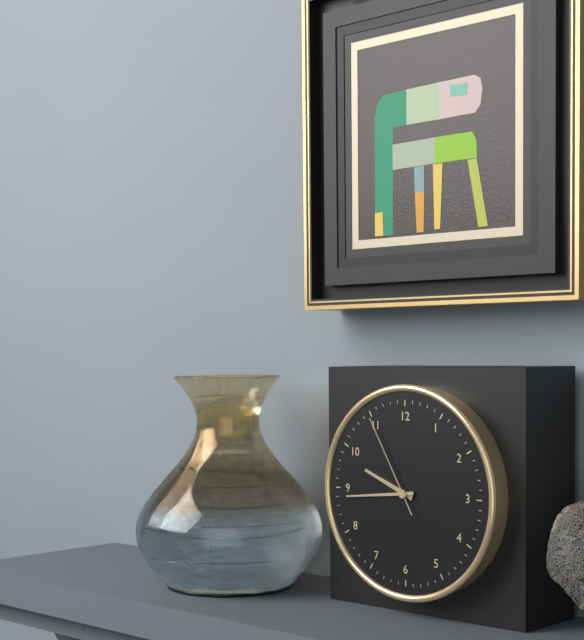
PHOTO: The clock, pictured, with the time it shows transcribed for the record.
9:44:55
